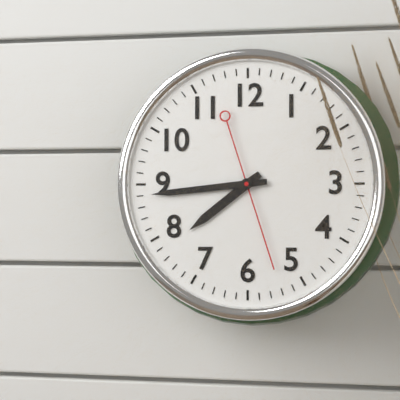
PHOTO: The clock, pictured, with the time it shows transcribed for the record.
7:44:27
